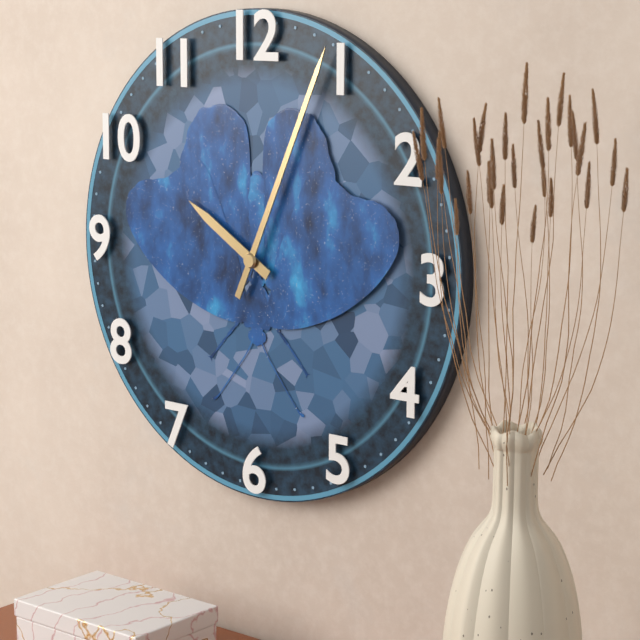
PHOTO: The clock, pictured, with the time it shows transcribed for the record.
10:04
